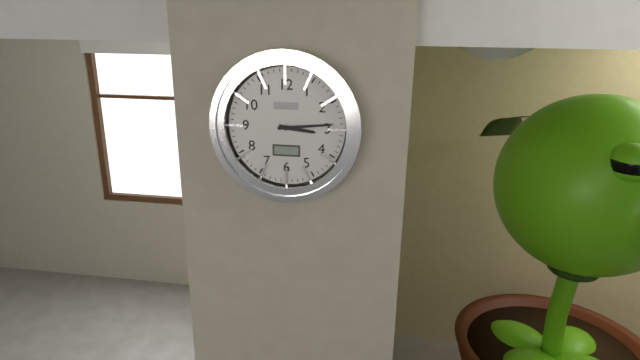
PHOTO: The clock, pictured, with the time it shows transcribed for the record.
3:14
